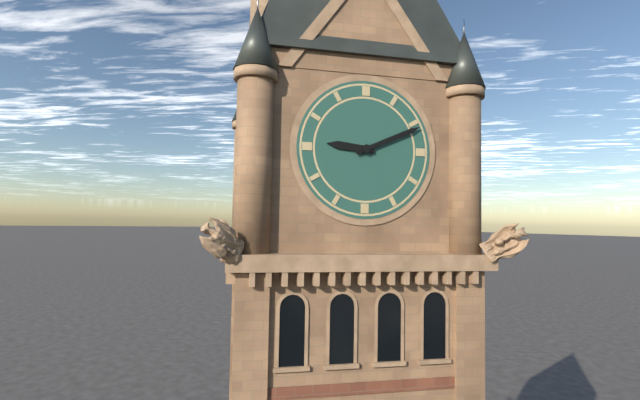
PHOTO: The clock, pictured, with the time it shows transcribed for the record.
9:11
